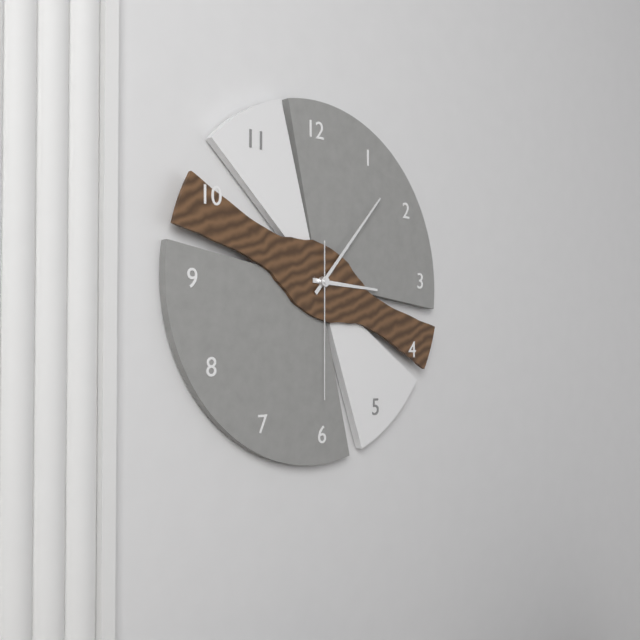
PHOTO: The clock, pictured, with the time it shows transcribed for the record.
3:07:30
